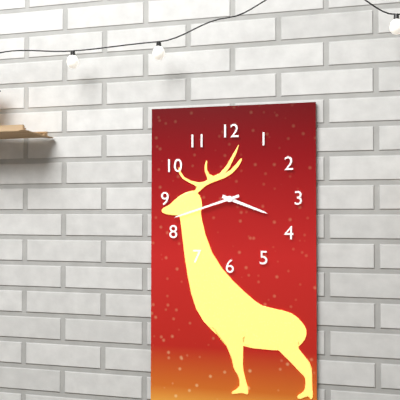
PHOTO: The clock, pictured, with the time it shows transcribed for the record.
3:42
